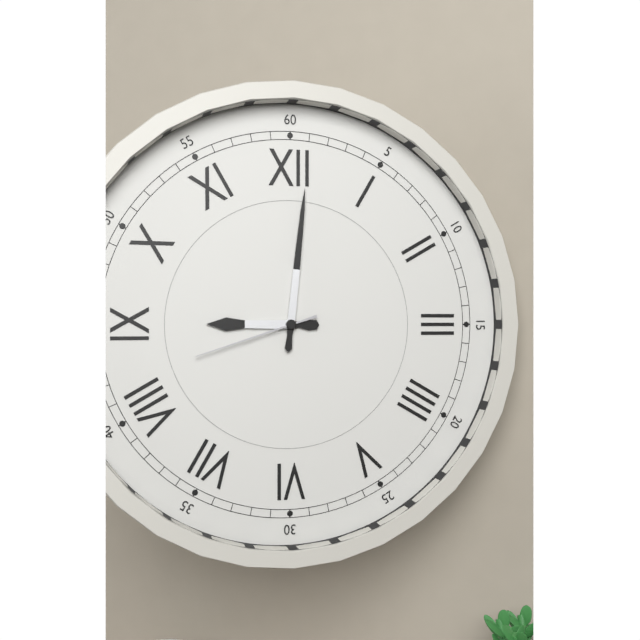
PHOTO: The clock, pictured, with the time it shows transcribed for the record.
9:01:42
